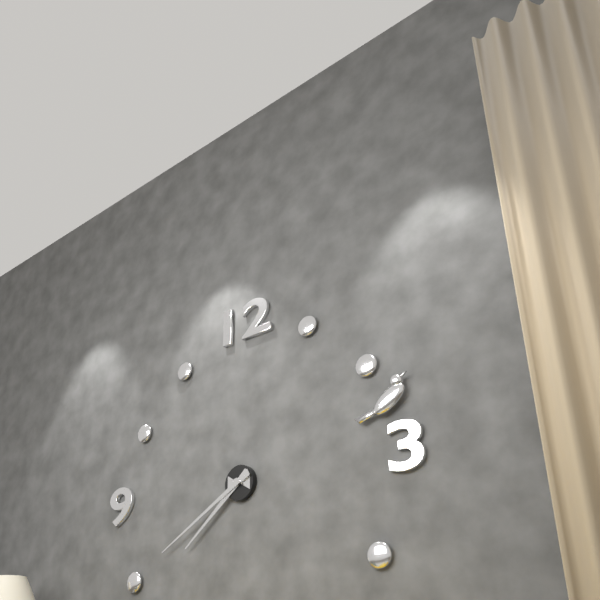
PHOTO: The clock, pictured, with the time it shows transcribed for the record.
7:40
